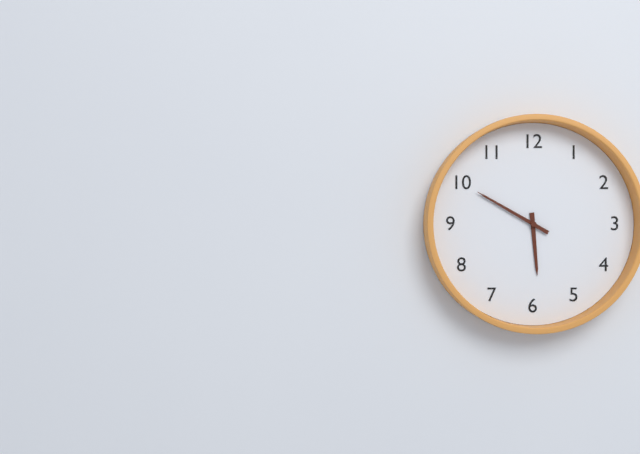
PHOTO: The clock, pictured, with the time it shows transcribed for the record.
5:50
